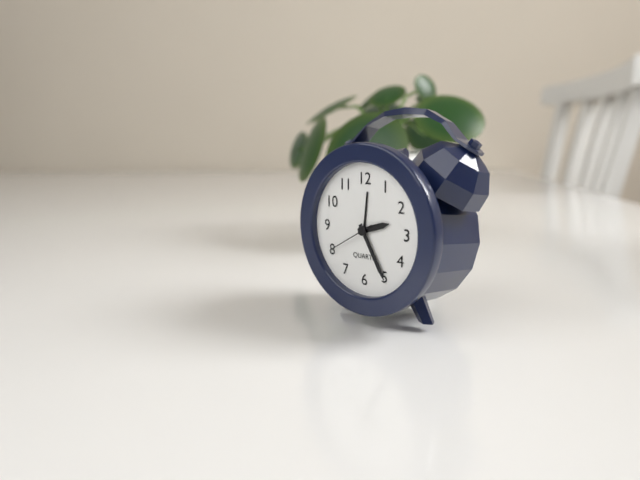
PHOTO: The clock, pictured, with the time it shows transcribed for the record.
2:25
